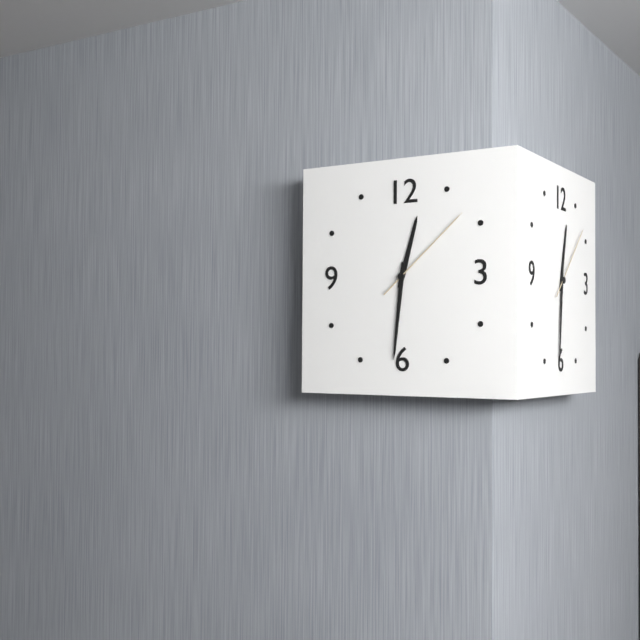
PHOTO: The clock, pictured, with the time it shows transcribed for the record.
12:31:08
